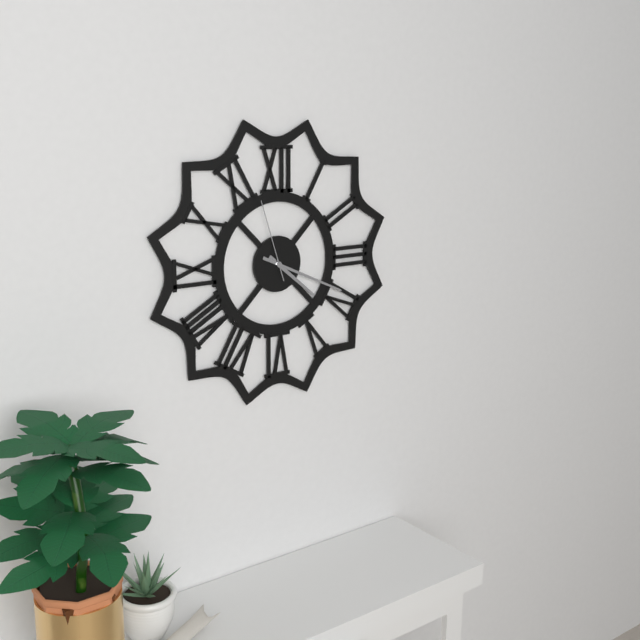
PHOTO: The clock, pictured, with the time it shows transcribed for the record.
4:19:57
